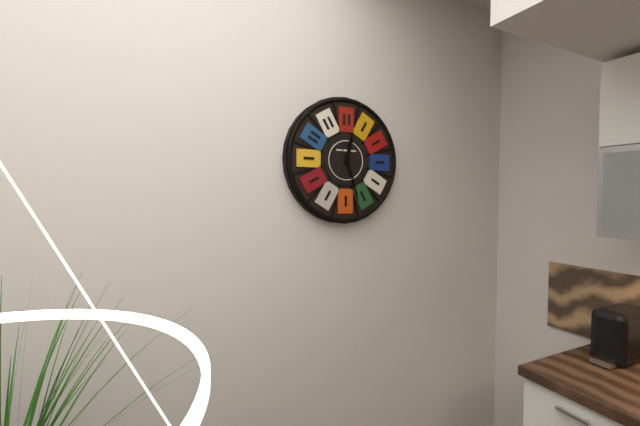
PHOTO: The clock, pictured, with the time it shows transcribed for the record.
12:27
